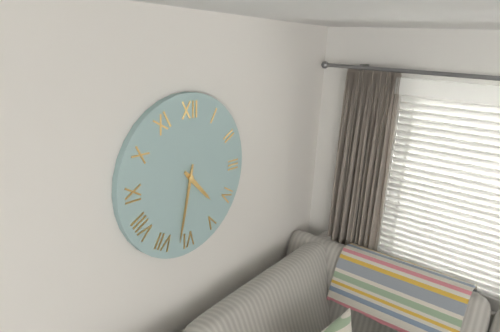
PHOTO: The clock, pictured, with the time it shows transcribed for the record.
4:32
